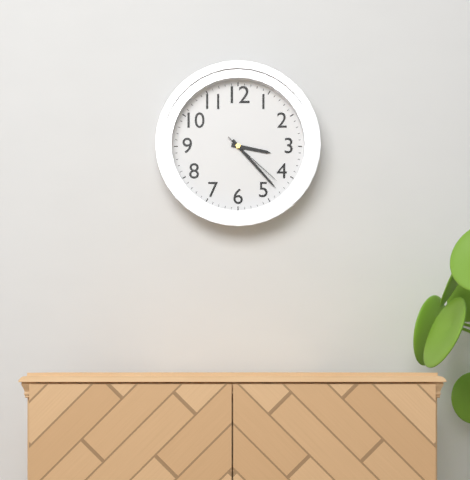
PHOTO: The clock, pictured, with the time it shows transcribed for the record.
3:23:22
